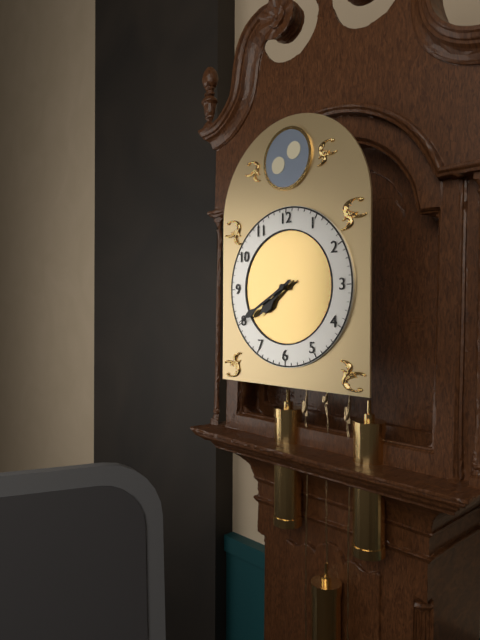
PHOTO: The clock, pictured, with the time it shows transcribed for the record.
7:40
